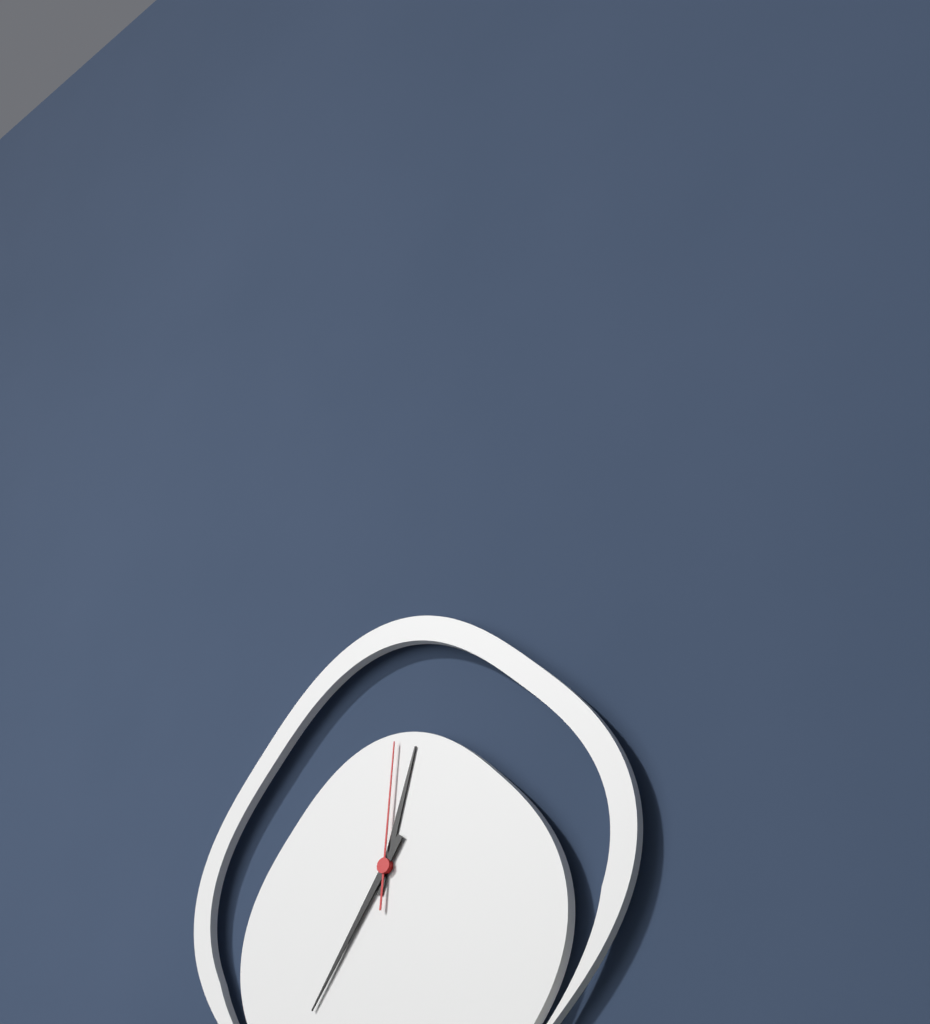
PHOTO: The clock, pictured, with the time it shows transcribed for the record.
12:36:01
